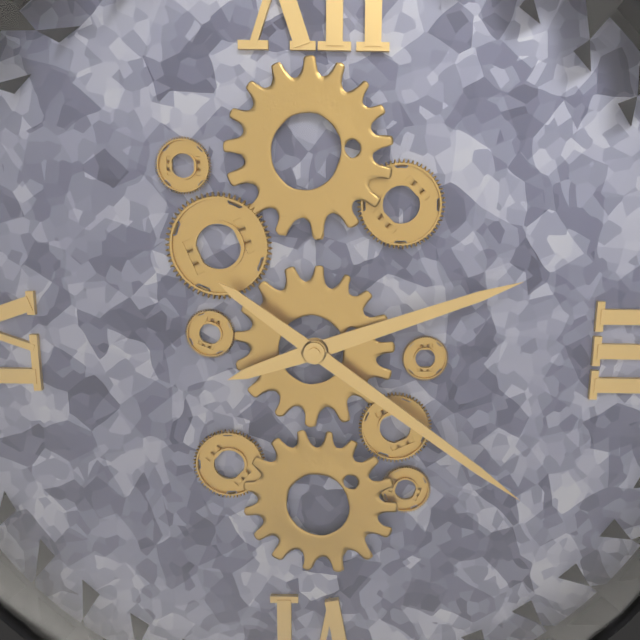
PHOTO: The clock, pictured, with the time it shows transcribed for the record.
2:21
